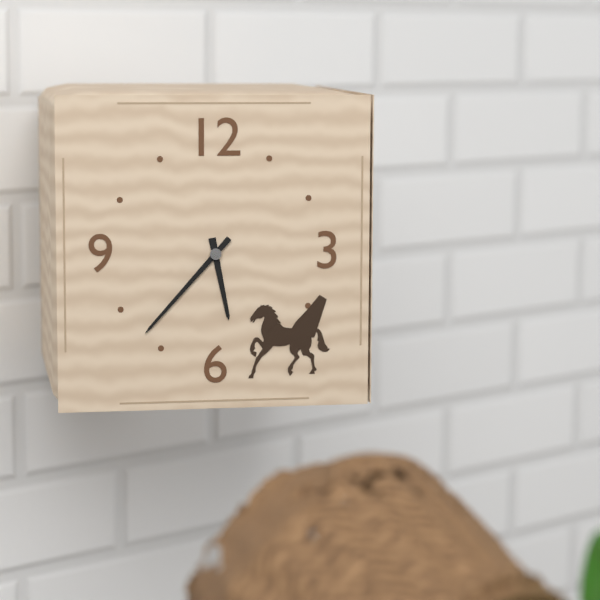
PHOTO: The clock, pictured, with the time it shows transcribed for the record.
5:37
